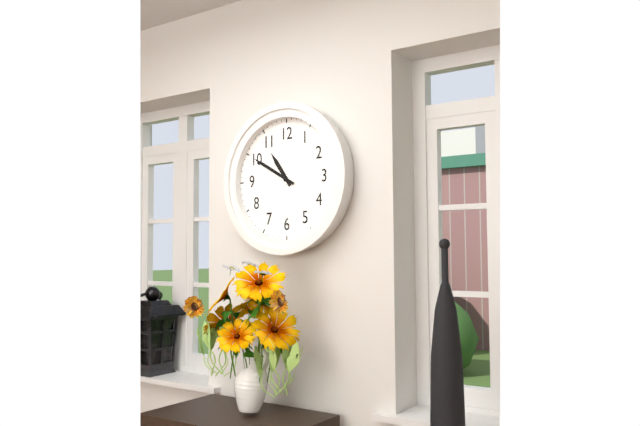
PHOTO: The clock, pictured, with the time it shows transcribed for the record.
10:50
